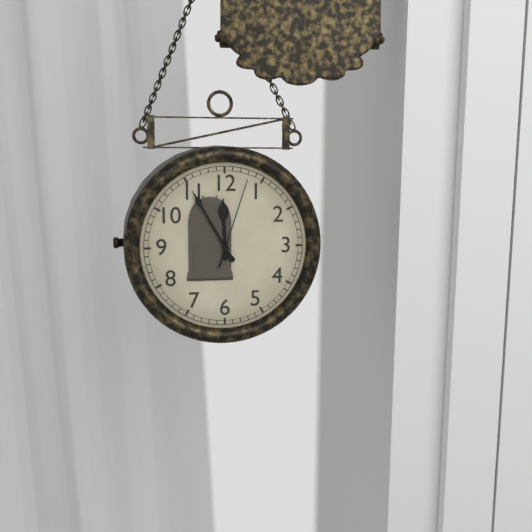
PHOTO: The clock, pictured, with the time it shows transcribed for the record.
11:55:03
